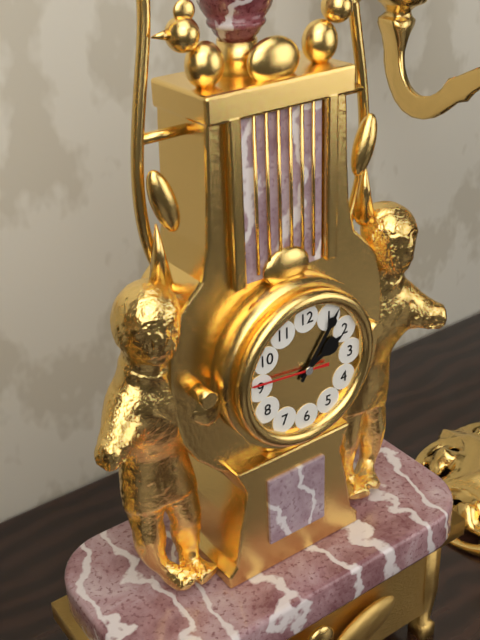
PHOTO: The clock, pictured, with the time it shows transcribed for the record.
2:06:46
